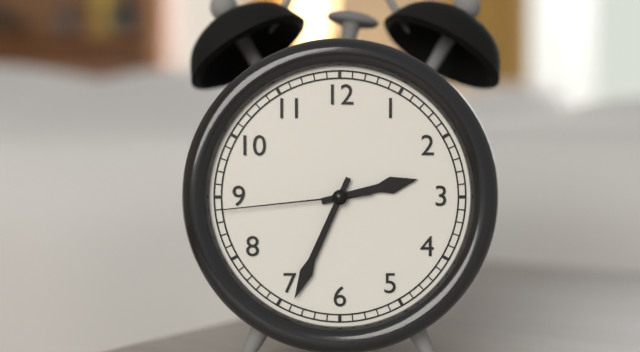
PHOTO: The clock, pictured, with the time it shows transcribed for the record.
2:34:44
